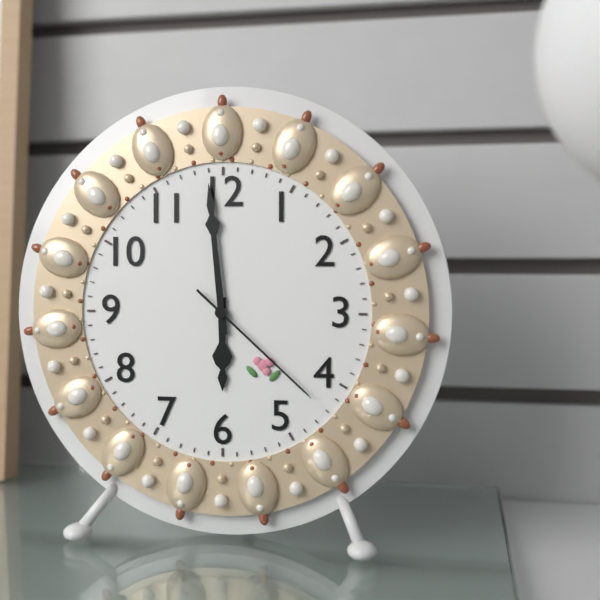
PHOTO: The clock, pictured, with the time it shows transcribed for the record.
5:59:22
